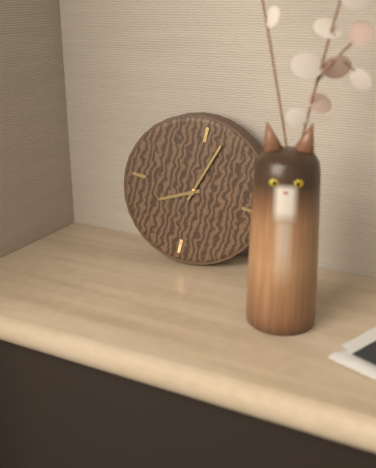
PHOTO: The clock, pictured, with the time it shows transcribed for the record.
8:03
